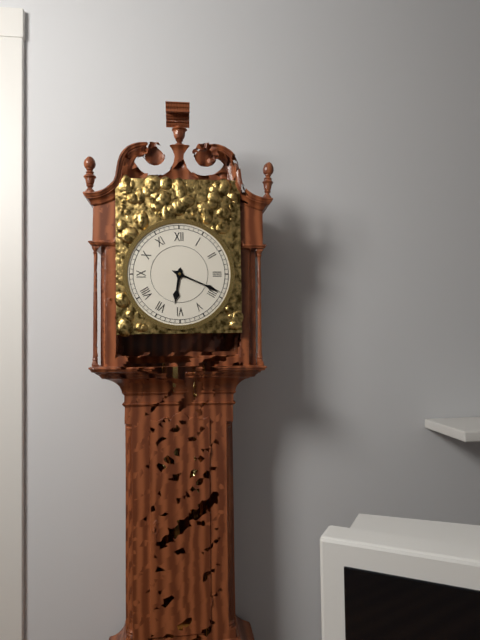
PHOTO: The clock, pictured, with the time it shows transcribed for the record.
6:19
